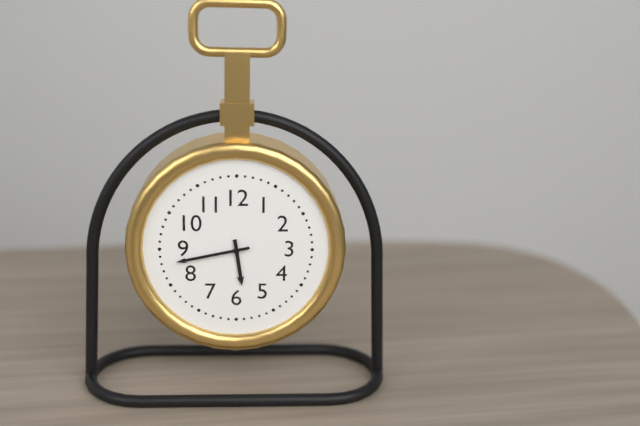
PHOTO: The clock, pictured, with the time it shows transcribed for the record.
5:43
